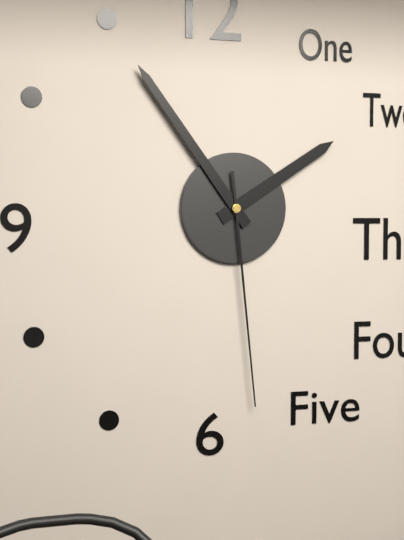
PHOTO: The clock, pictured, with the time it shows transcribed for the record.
1:54:29
